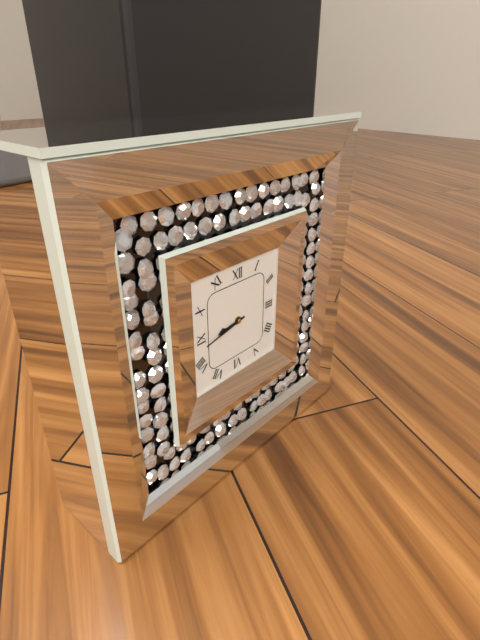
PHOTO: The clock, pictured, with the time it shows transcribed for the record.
8:43
